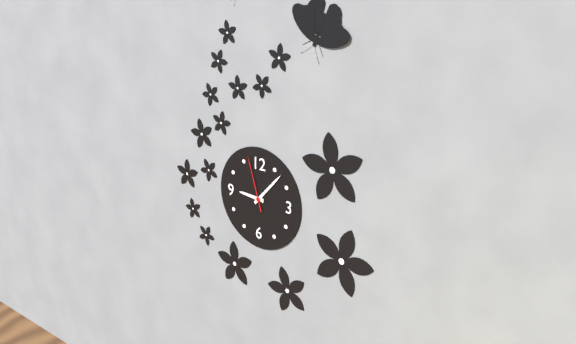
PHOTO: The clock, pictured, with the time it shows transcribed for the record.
9:07:57
